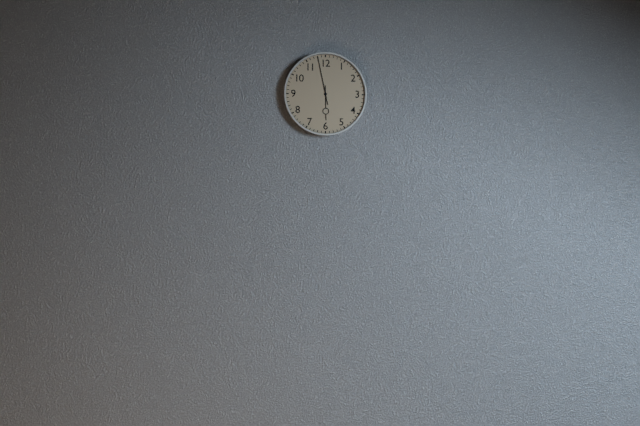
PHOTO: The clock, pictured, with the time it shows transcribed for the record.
5:58
